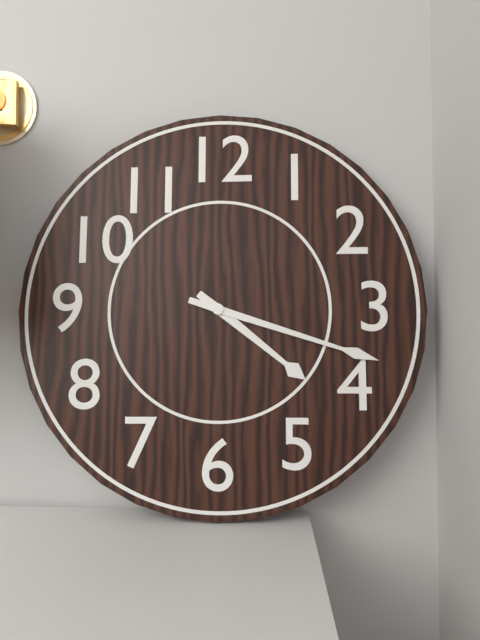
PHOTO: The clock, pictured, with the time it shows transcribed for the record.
4:18
